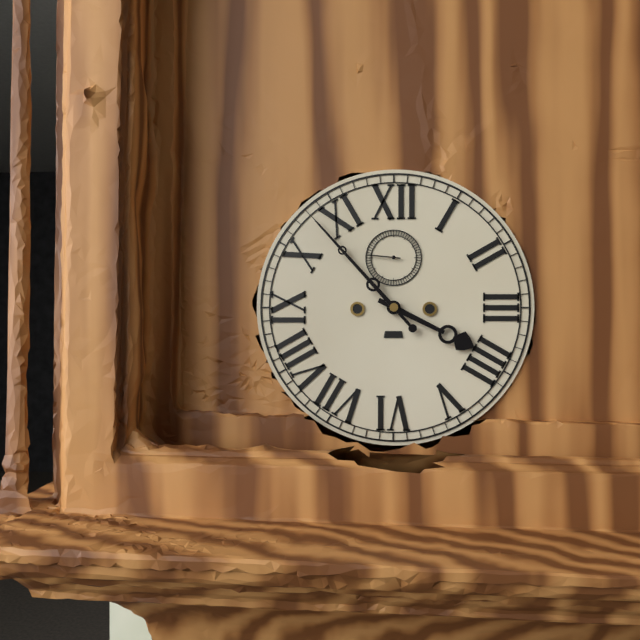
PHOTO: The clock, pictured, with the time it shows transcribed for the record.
3:53
